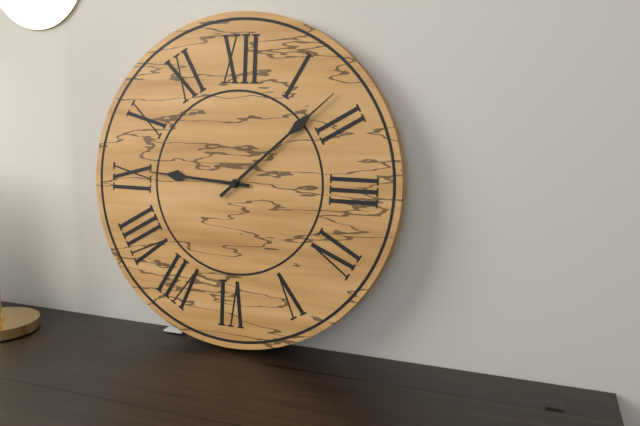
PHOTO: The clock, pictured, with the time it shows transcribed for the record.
9:08
